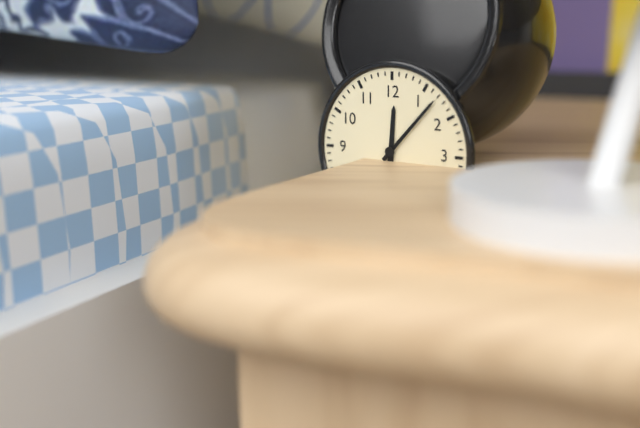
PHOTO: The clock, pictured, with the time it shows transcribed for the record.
12:07
